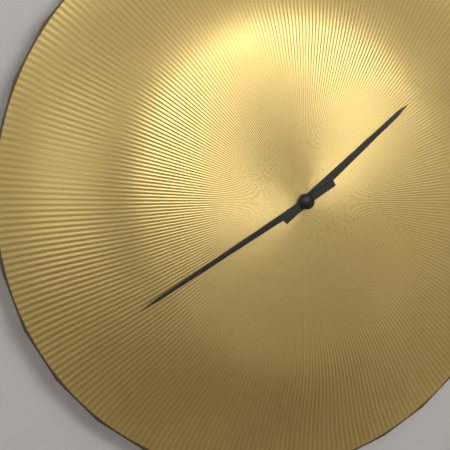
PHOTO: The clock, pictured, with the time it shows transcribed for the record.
1:40
